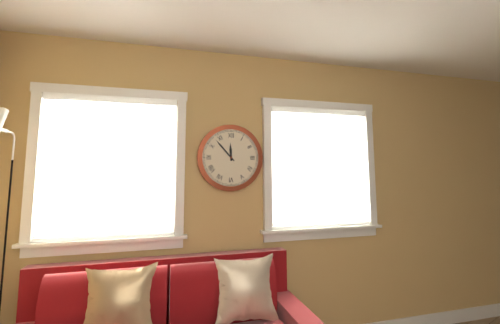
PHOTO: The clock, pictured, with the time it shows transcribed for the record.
11:53
